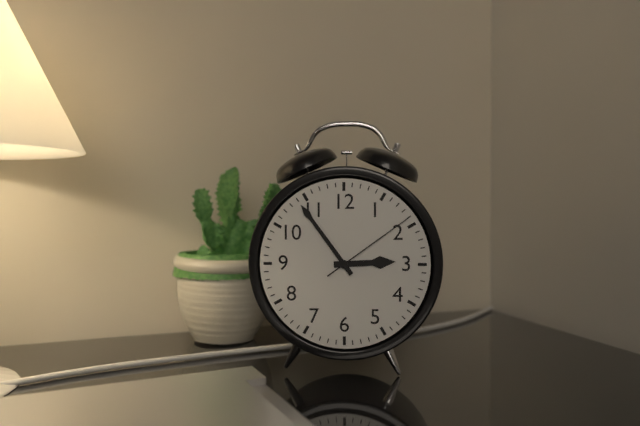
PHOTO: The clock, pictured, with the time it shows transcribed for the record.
2:54:09
